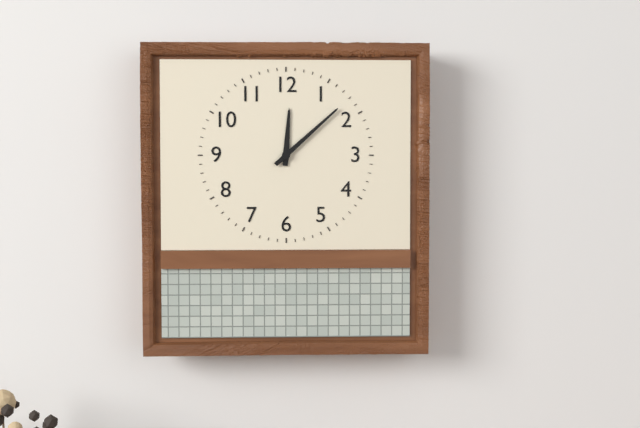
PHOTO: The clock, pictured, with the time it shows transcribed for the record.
12:08
